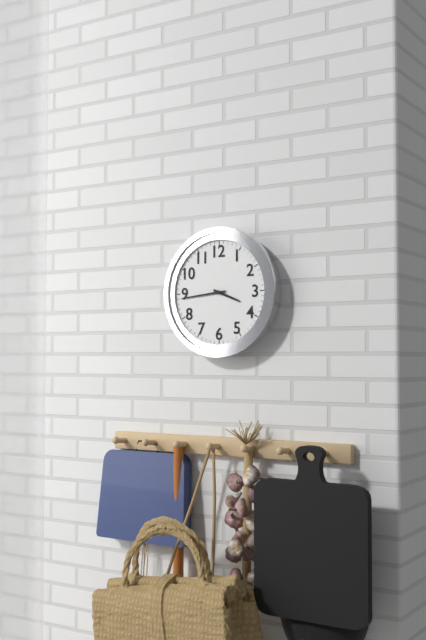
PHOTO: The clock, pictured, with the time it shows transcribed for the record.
3:44
